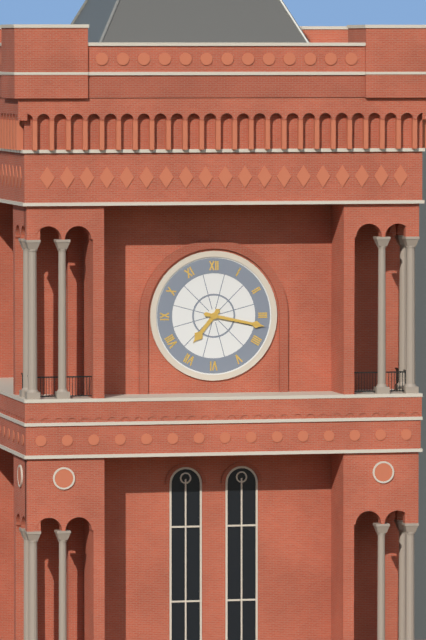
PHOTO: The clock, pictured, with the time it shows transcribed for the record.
7:17
